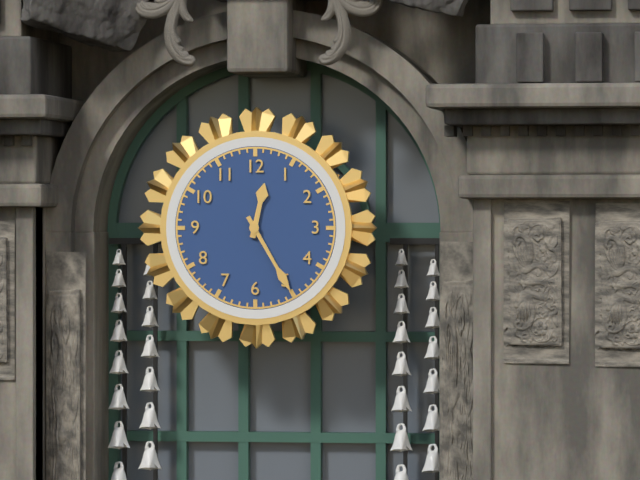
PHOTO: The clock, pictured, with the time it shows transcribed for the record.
12:25
